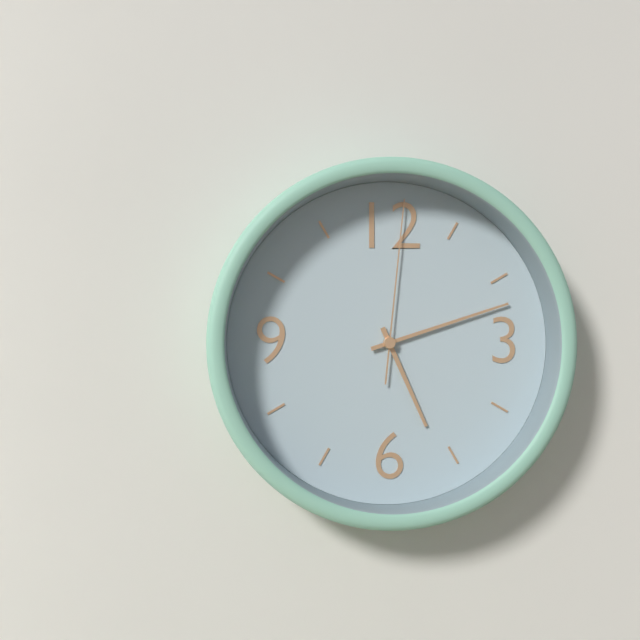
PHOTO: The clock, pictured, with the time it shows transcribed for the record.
5:12:01
